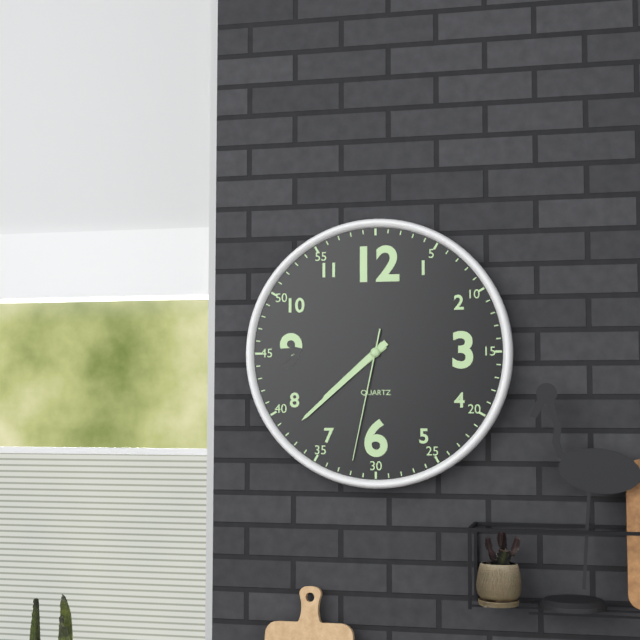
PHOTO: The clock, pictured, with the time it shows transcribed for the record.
7:38:32
